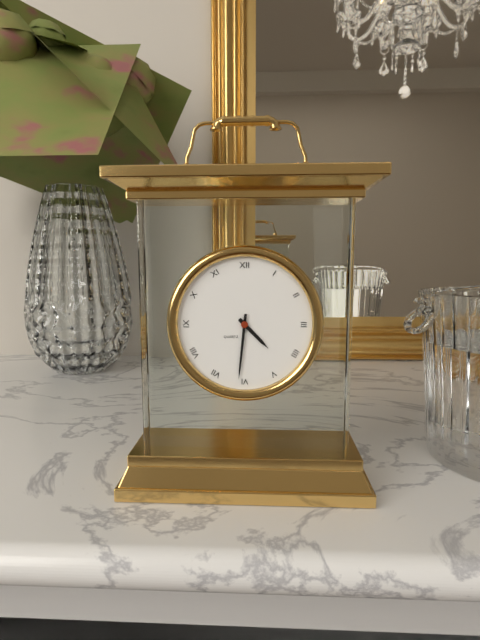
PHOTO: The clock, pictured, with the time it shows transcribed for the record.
4:31
